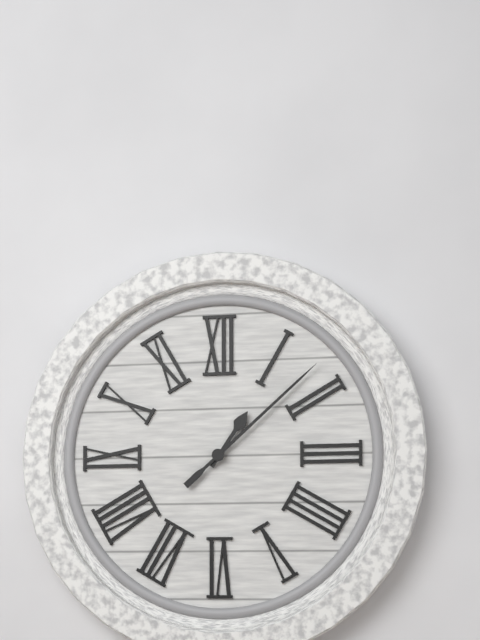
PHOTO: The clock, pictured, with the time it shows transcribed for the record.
1:08
